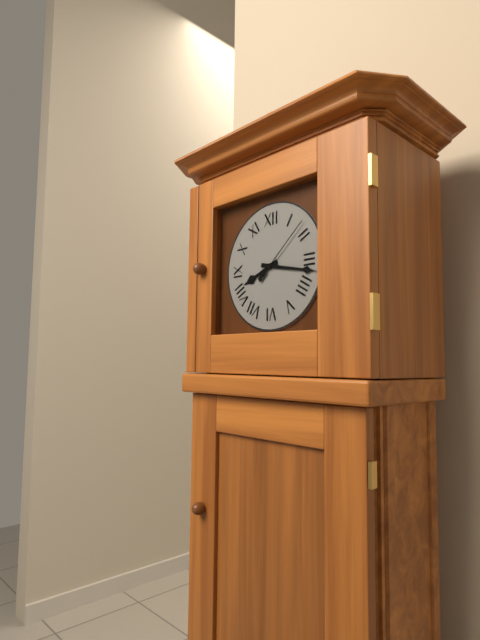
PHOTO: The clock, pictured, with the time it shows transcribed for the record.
8:17:08
